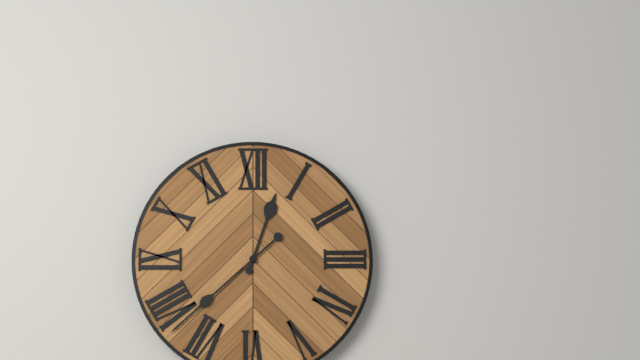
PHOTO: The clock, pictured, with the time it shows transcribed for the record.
12:38
